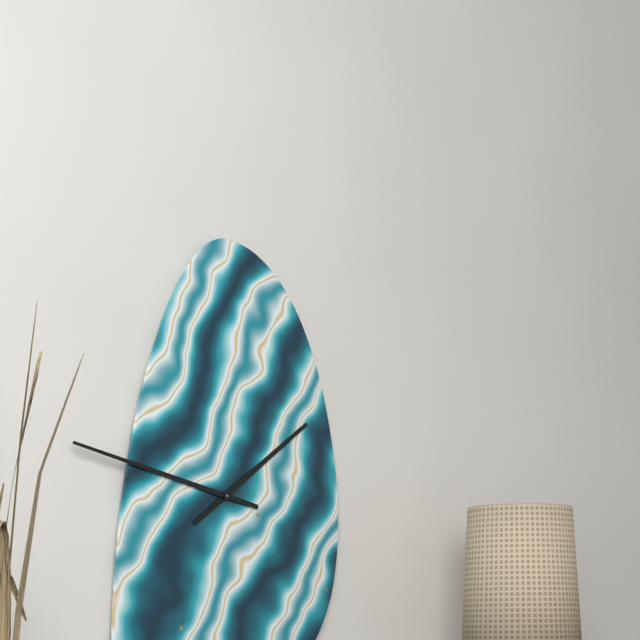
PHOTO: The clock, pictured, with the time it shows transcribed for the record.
1:47
